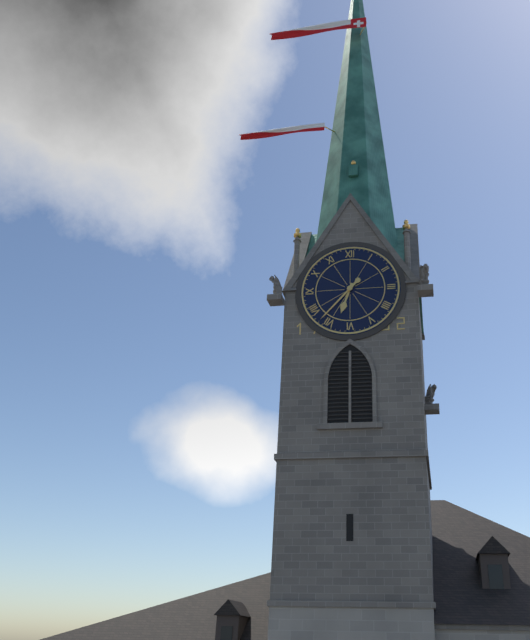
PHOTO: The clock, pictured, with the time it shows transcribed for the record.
6:37
